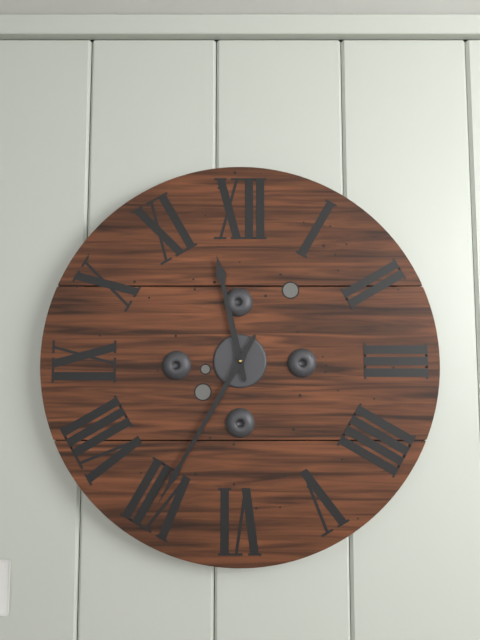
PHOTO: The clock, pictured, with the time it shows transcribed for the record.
11:35
